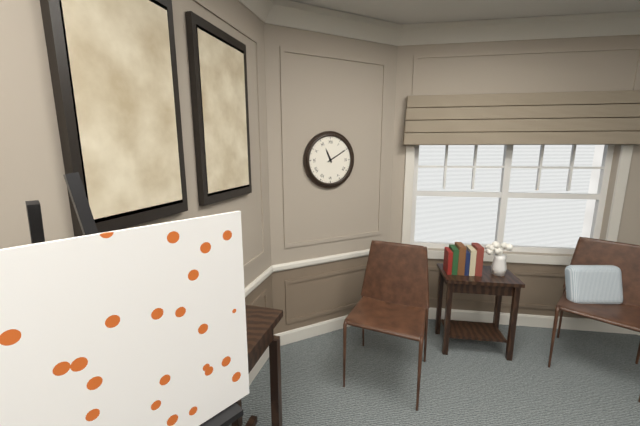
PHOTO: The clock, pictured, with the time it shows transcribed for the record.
11:10
